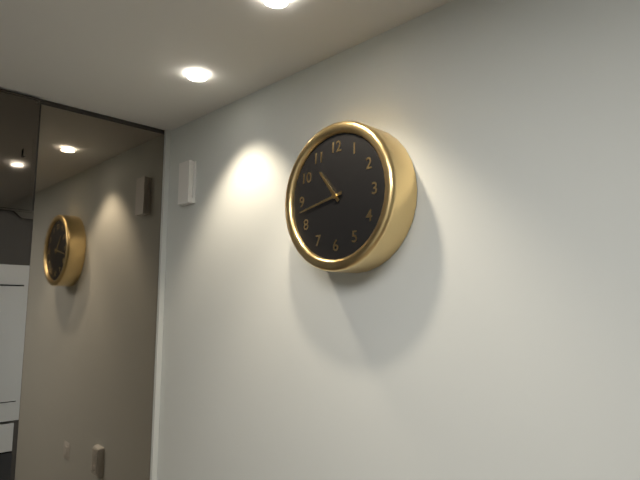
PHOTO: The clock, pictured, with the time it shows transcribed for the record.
10:43
